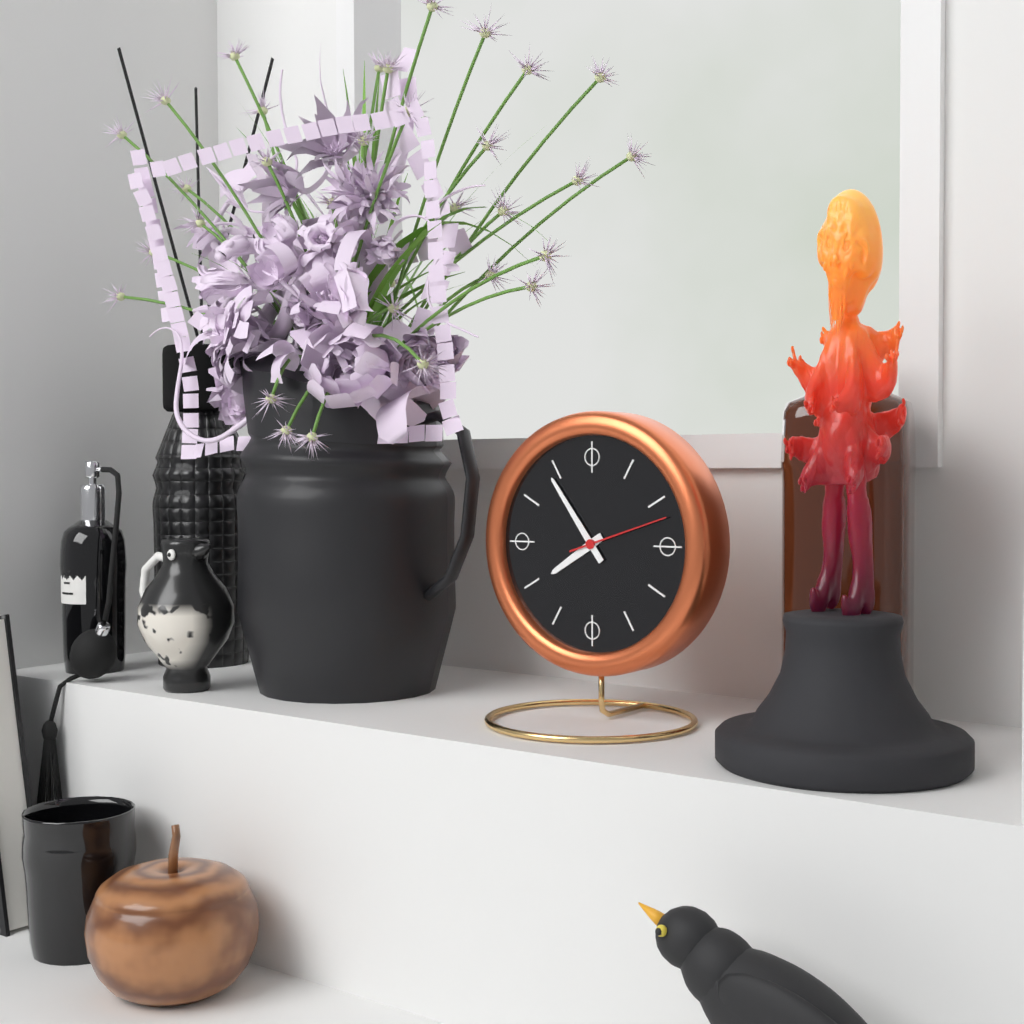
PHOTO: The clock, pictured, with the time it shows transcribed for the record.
7:54:12
